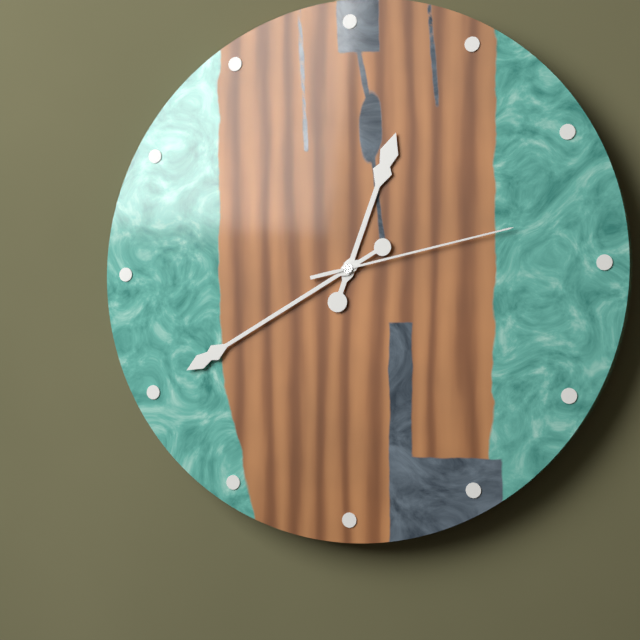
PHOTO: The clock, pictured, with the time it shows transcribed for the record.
12:40:13
